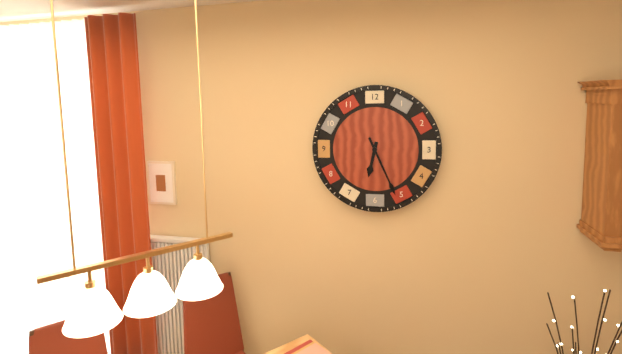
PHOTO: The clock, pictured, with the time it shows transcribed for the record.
6:26
